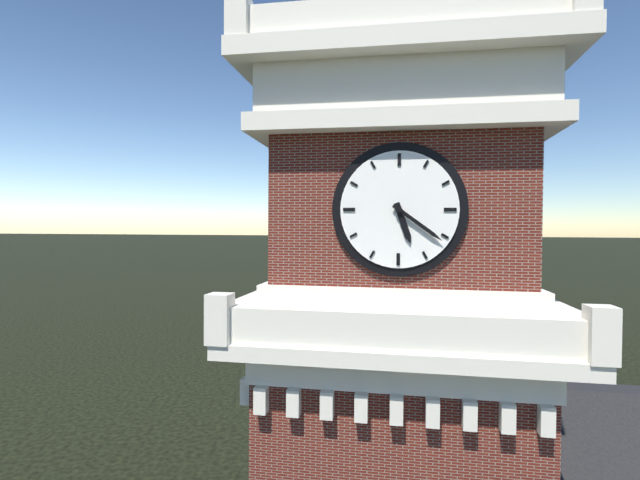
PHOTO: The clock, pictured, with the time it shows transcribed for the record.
5:21
